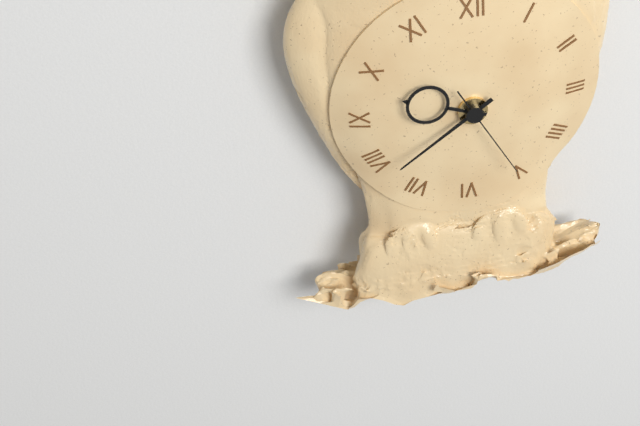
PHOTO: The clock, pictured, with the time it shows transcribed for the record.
9:39:25
